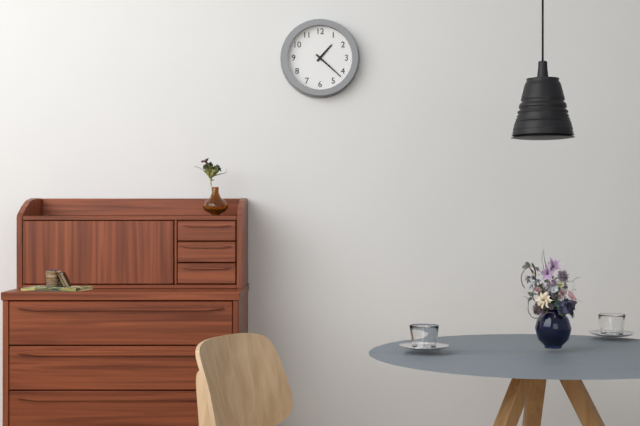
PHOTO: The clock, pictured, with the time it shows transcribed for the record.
1:22
